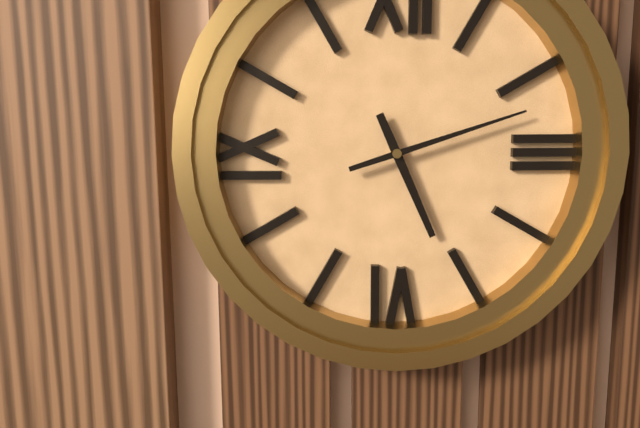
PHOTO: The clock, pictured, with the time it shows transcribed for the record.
5:12
